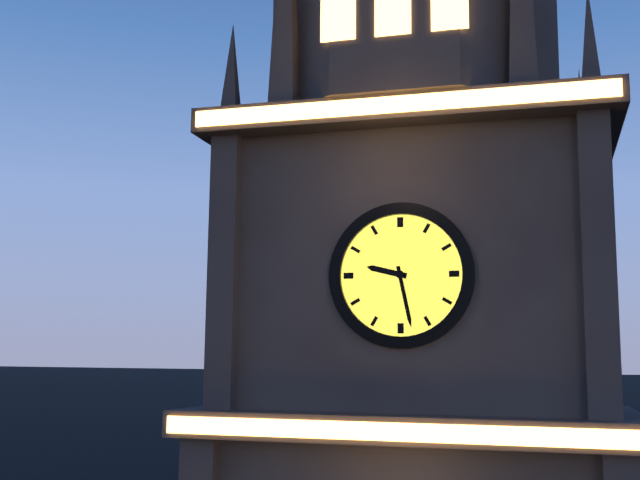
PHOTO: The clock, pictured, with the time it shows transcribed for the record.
9:28
